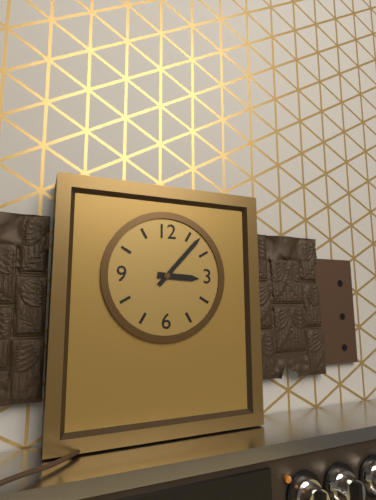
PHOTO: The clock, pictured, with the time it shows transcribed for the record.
3:07
